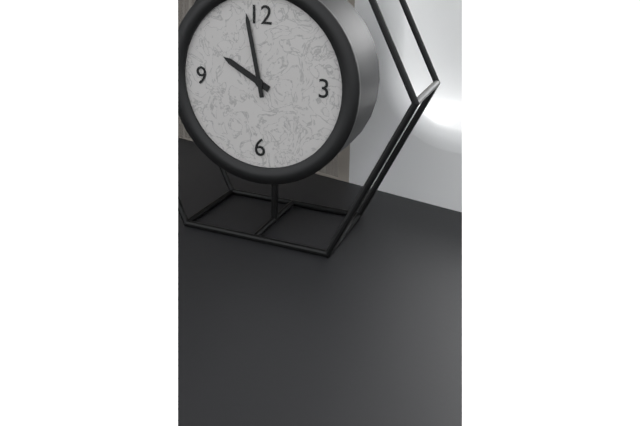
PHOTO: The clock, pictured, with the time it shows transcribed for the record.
9:58
